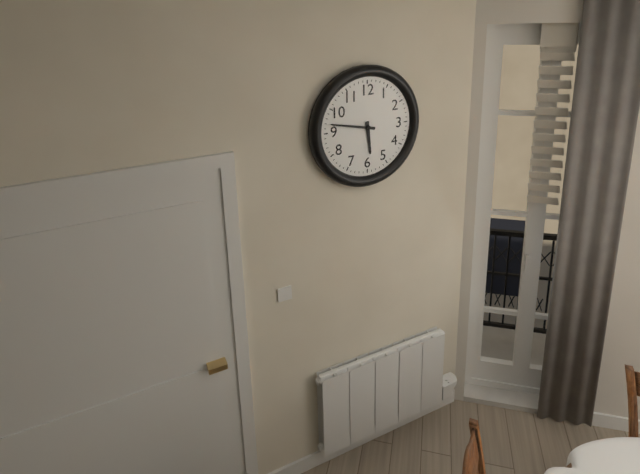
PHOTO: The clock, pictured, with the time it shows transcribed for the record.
5:47
